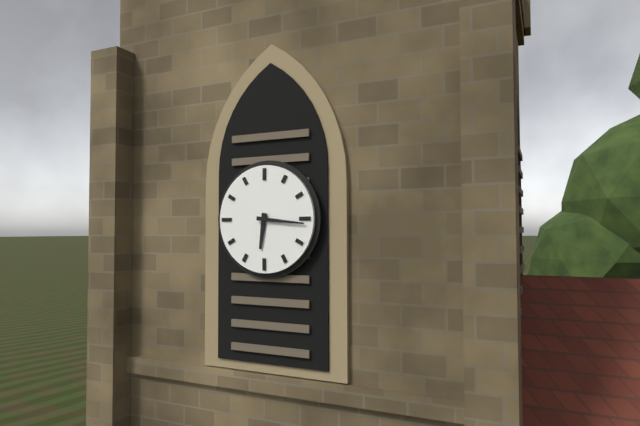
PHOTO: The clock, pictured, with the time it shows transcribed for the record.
6:16
